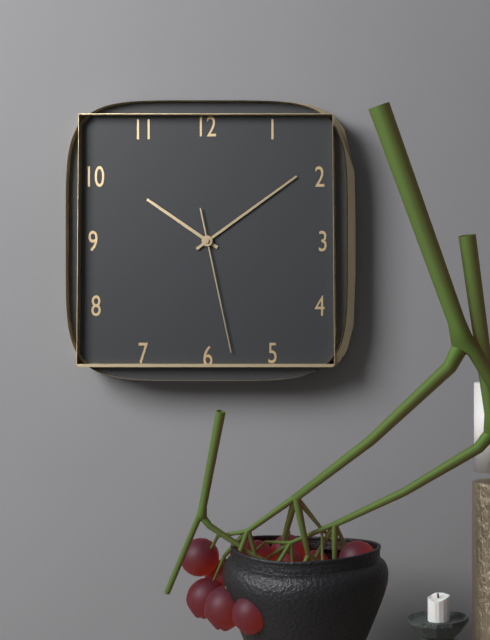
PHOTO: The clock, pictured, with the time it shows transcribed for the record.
10:09:28
